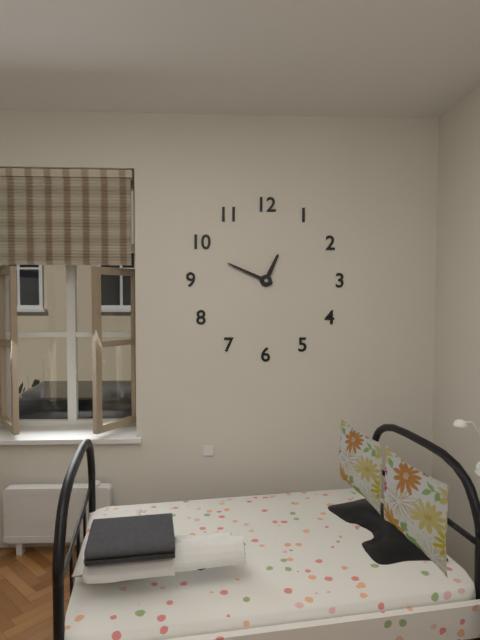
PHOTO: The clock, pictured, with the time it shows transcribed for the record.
12:49
